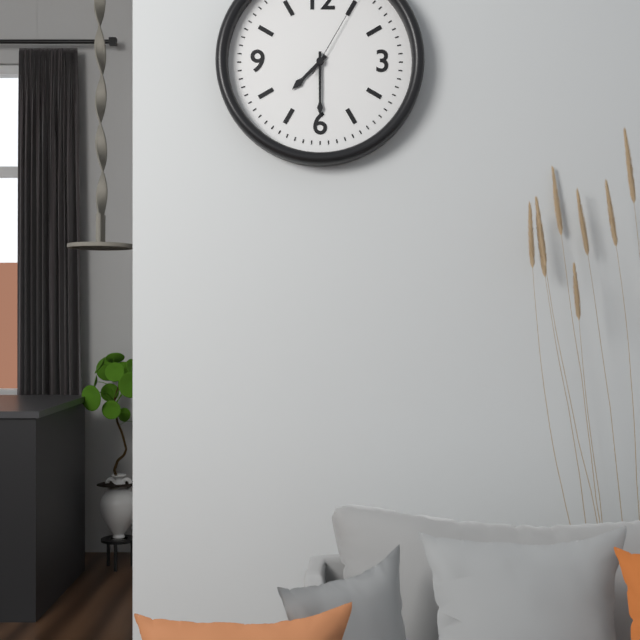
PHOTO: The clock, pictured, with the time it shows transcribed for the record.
7:30
